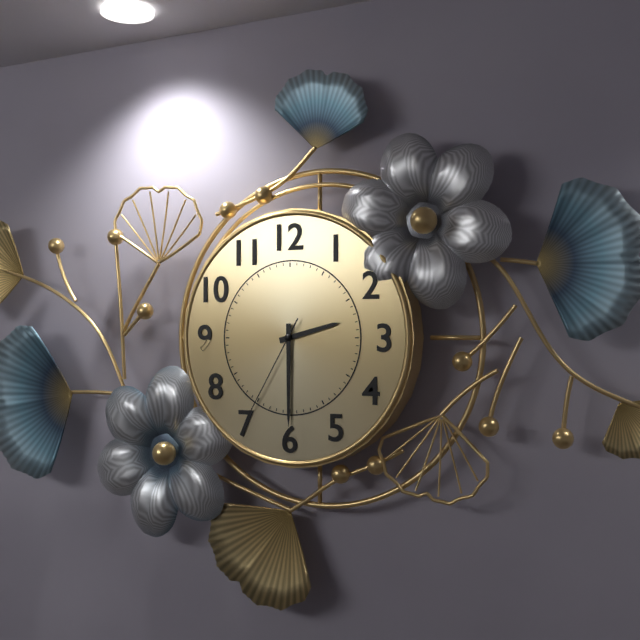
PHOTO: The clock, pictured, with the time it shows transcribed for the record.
2:30:35
